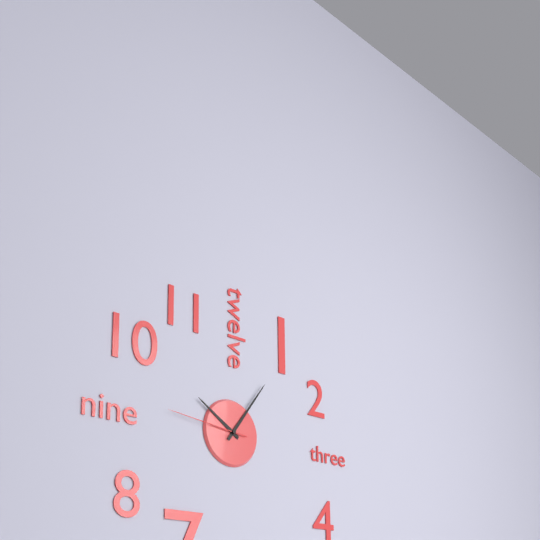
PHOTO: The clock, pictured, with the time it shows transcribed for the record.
10:06:46
